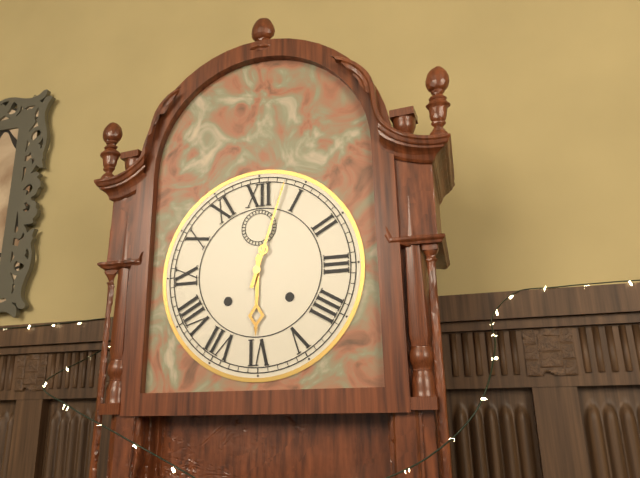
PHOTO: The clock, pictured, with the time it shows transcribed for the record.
6:03
